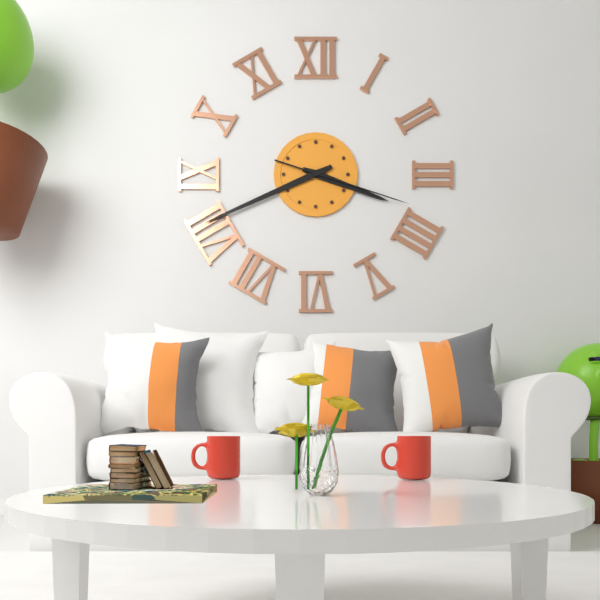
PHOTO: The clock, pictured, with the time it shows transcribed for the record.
3:41:18
